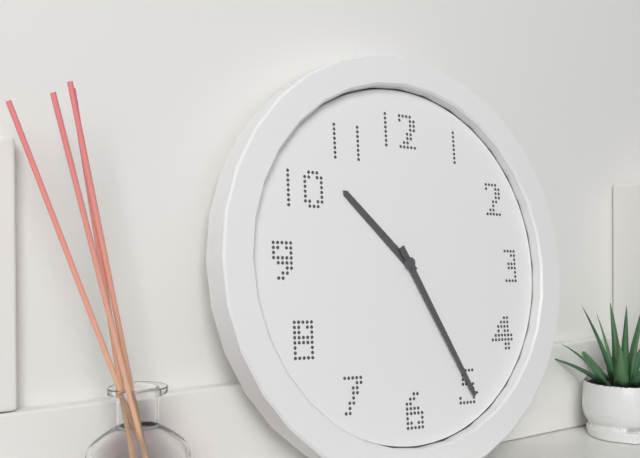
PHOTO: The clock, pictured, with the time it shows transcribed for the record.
10:25
